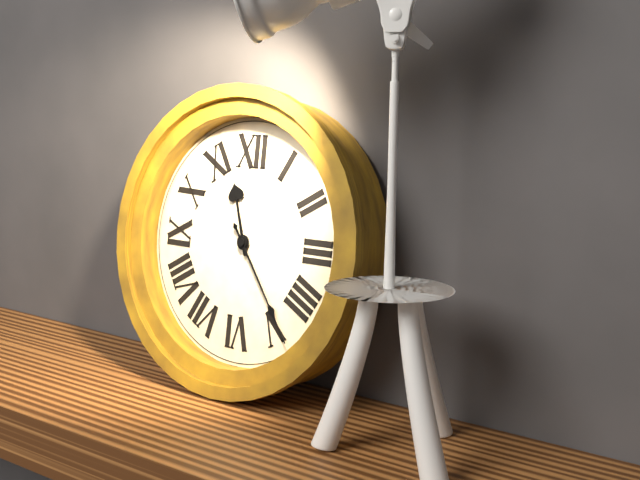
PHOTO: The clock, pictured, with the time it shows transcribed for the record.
11:24
